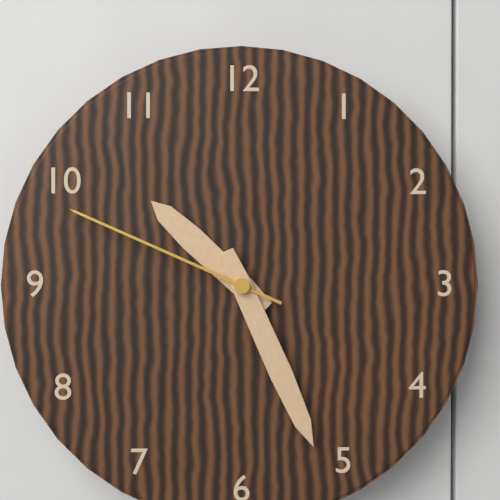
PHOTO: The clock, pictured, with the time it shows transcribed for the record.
10:26:49
